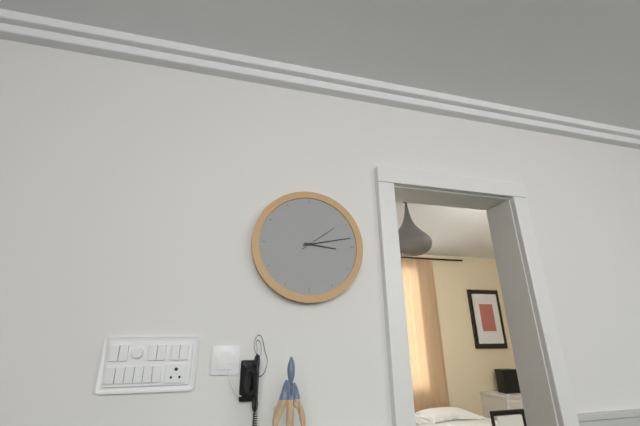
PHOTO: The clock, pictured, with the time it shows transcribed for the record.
3:13
